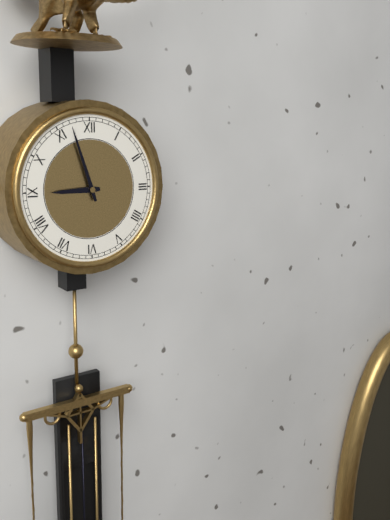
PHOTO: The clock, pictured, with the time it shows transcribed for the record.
8:57
